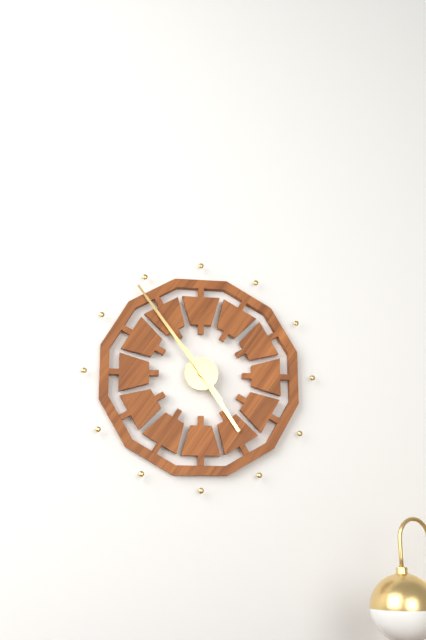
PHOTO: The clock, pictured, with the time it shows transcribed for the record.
4:54
